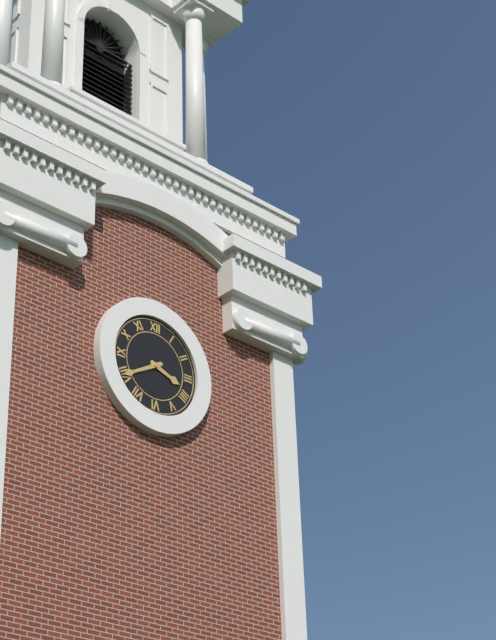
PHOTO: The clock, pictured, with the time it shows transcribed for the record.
3:40
